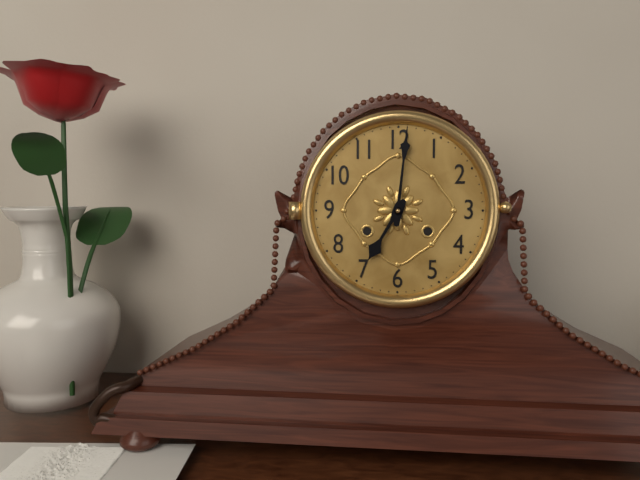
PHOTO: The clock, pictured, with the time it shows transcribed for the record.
7:01
